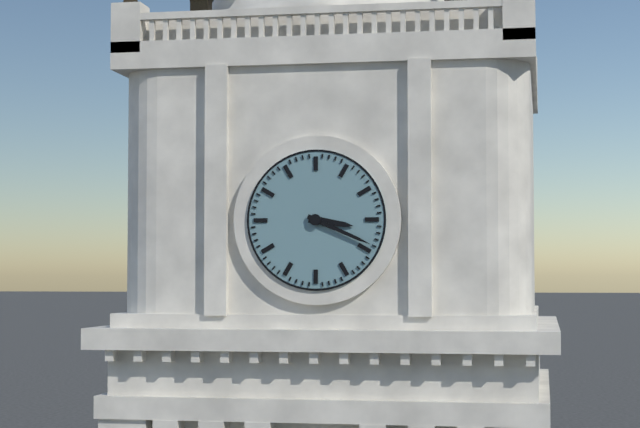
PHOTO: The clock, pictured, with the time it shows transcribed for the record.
3:19
